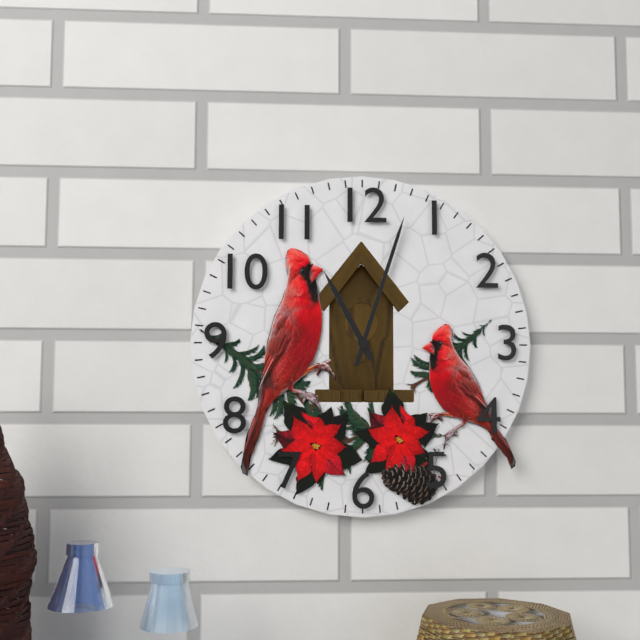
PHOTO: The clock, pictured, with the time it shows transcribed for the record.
11:03
